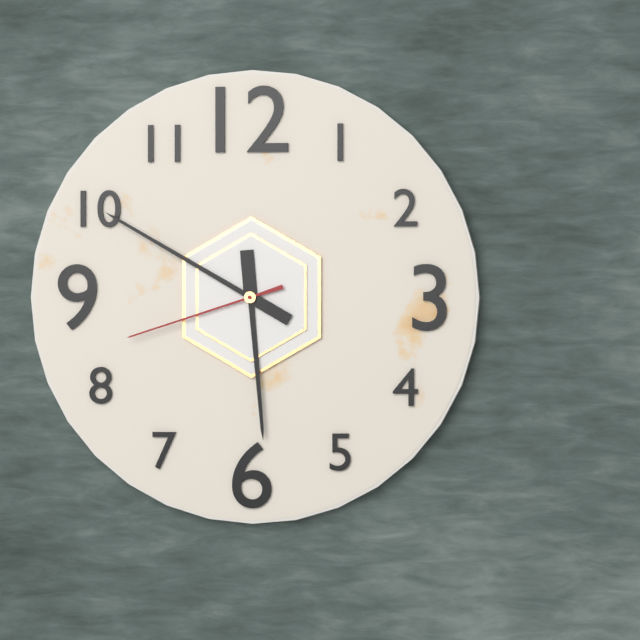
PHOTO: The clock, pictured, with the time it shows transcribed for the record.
5:50:42
